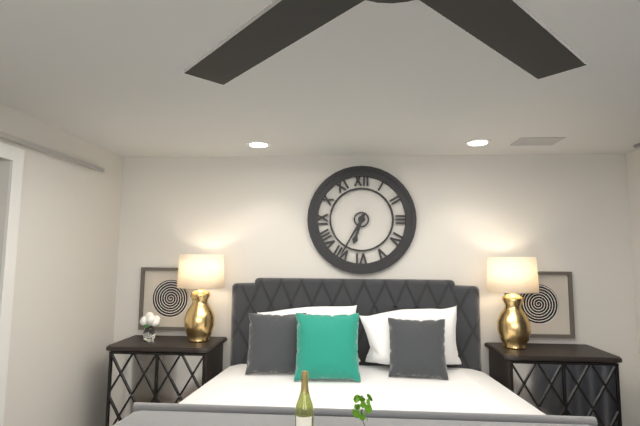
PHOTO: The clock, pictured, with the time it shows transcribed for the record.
6:35
